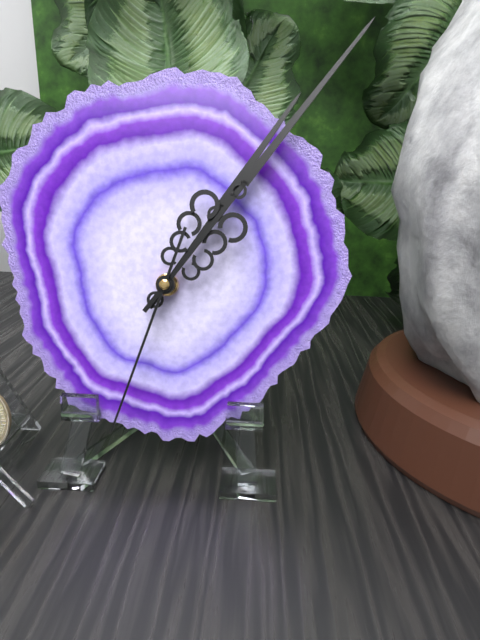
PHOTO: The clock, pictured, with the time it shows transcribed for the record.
1:06:33
